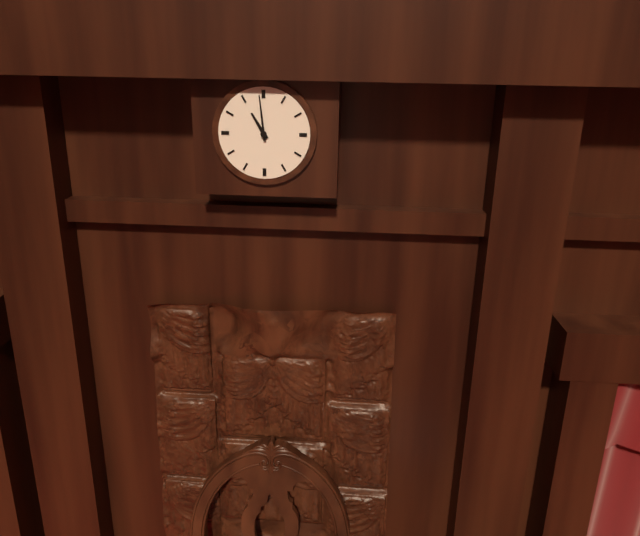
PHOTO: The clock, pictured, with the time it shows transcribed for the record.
10:59
